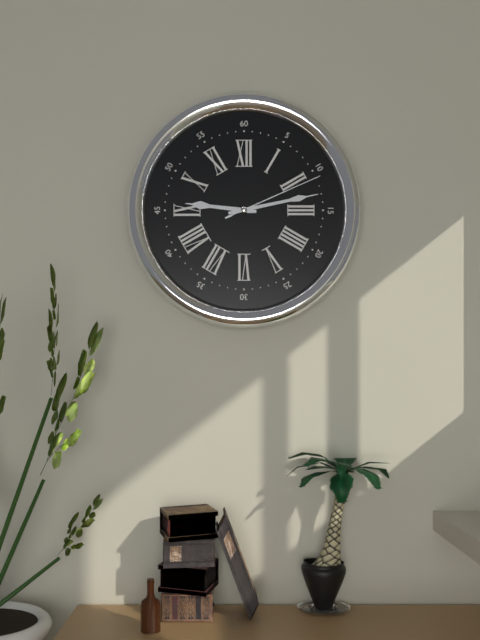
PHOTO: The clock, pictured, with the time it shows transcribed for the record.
9:13:11
